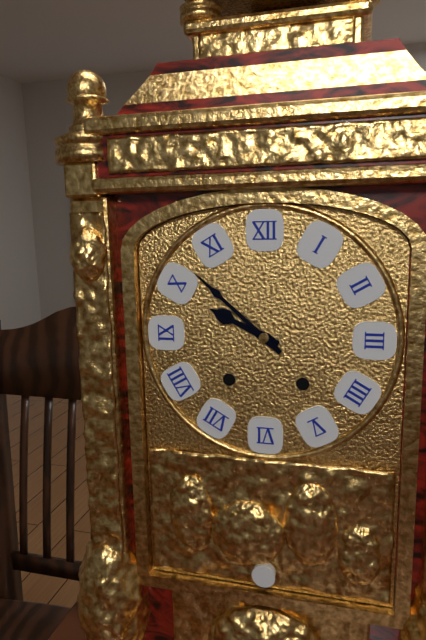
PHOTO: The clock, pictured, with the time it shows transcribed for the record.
9:52
